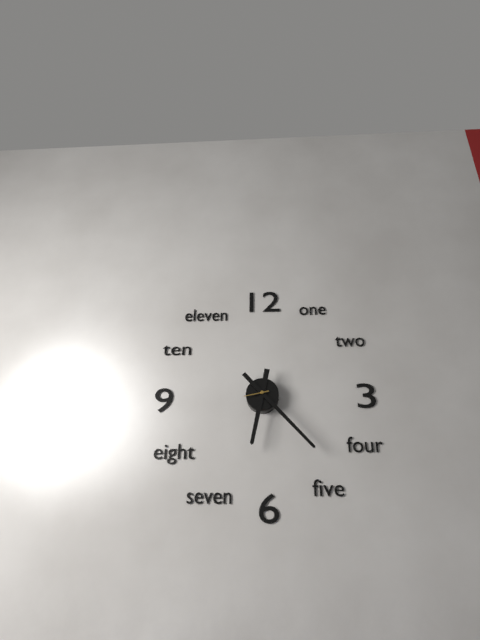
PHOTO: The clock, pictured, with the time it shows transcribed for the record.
6:23
